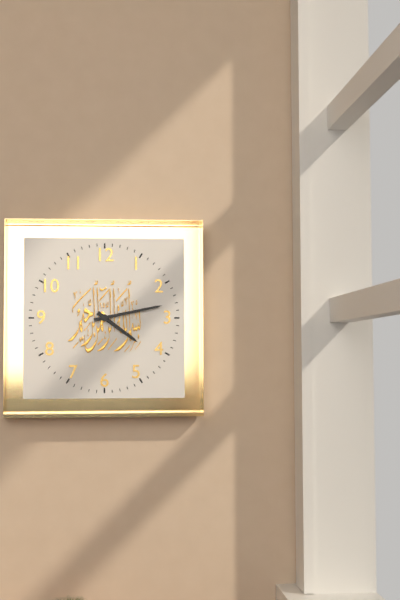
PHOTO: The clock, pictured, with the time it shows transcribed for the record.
4:13
